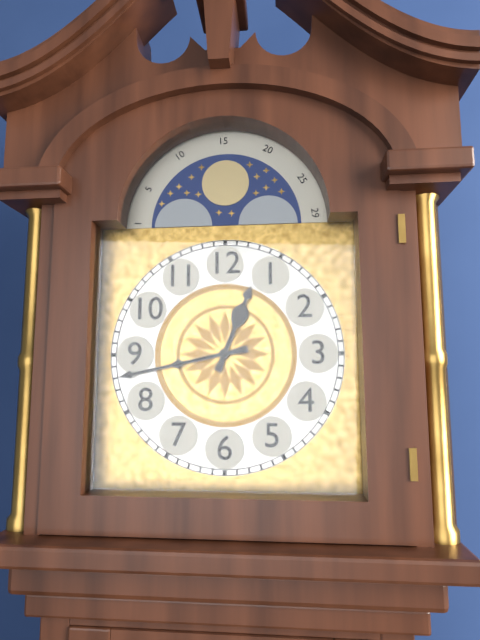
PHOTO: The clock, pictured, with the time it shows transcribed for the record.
12:43
